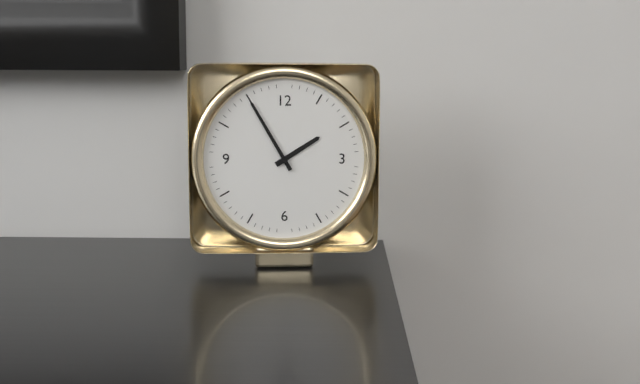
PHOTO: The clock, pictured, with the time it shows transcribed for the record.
1:55
